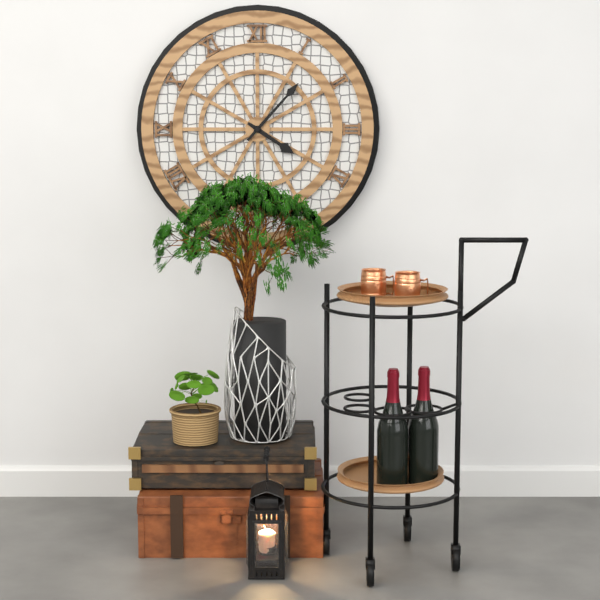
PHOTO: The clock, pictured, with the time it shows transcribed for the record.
4:07
